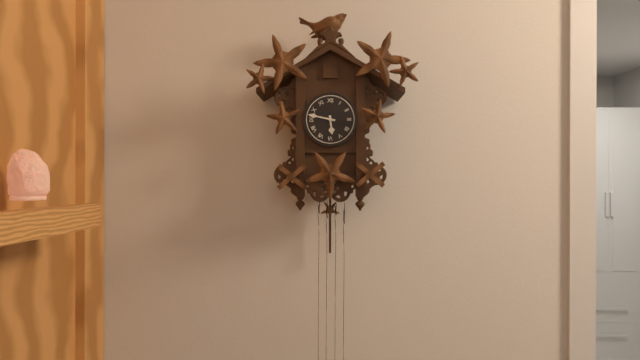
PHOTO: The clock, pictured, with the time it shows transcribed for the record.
5:47
